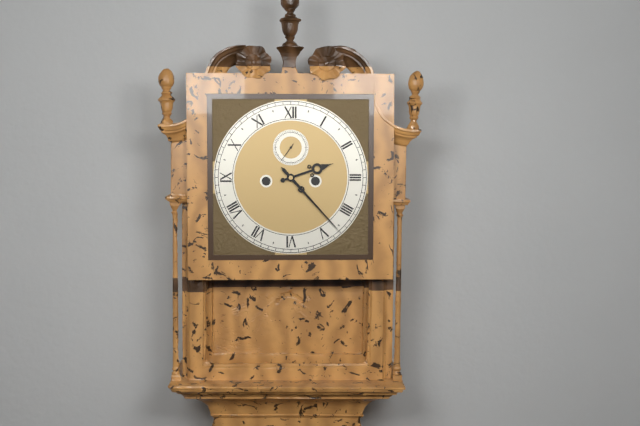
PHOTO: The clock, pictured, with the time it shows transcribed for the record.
2:23
